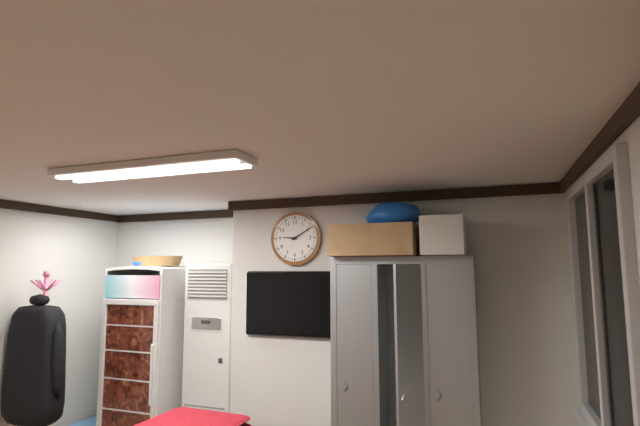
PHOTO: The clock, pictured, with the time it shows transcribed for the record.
9:10
